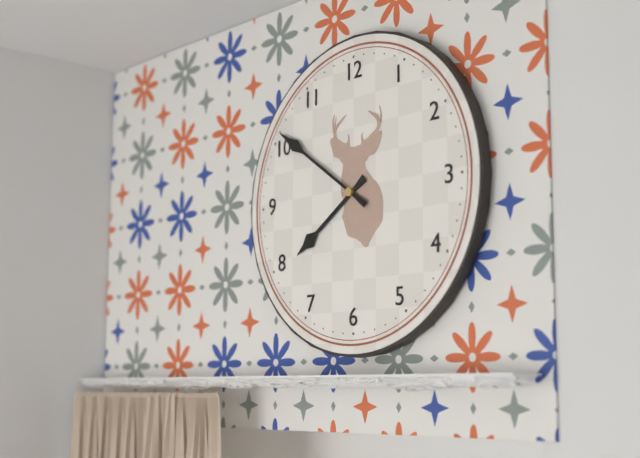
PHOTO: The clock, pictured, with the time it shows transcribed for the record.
7:51
